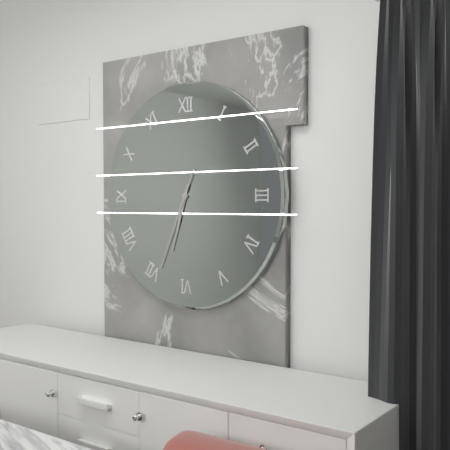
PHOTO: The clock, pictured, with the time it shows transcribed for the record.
6:34
